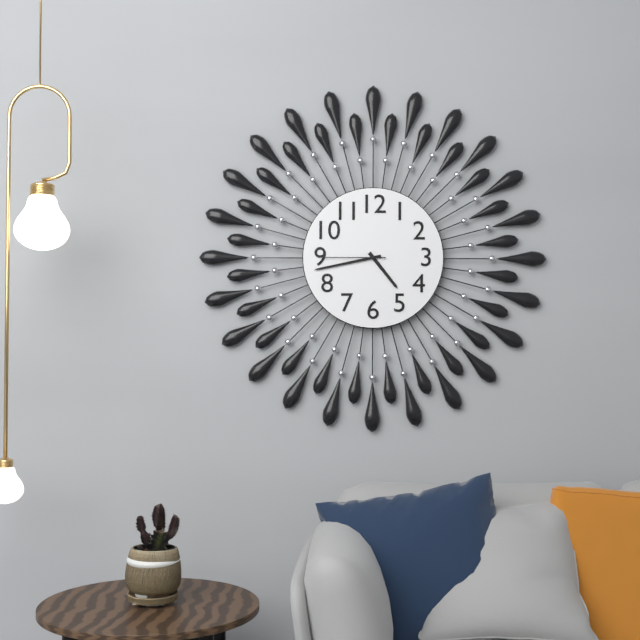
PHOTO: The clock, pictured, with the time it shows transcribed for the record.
4:43:45
